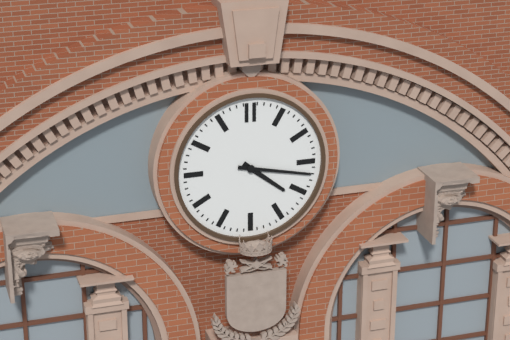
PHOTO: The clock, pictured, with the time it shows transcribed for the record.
4:17
